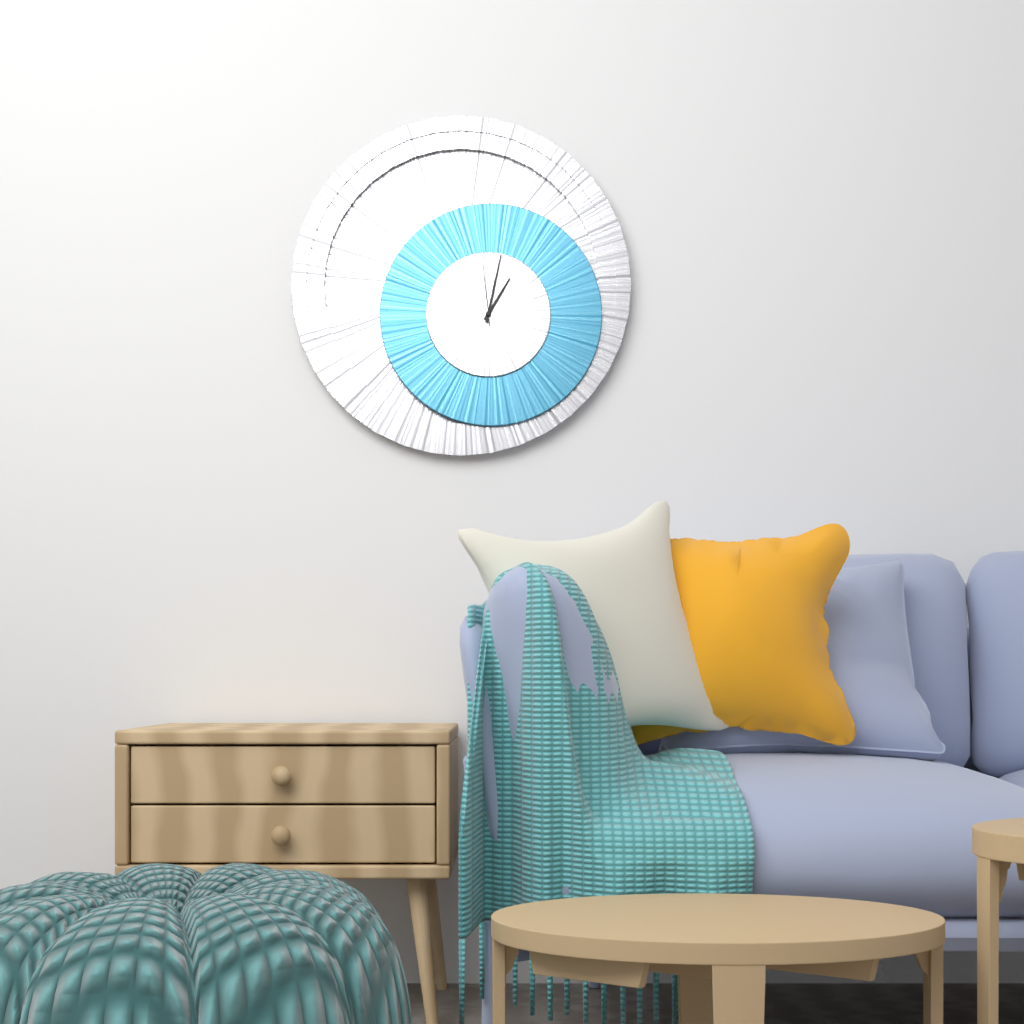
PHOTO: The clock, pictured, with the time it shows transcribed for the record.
1:02:59
